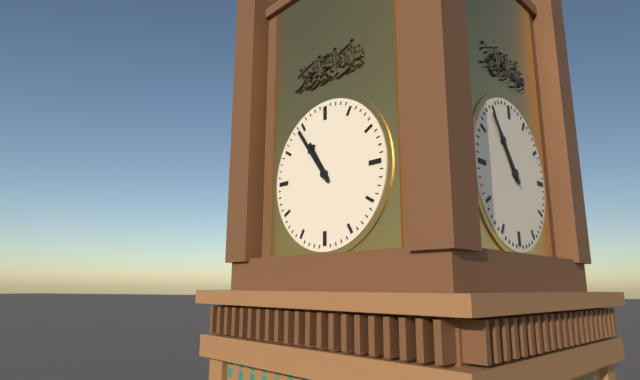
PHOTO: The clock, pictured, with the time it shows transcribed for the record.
10:54
